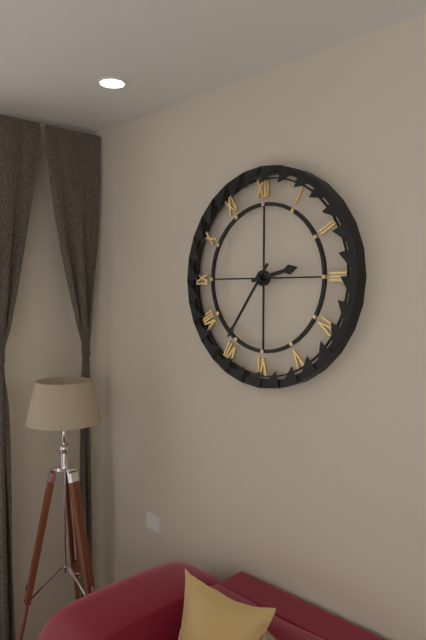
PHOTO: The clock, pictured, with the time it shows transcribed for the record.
2:36
